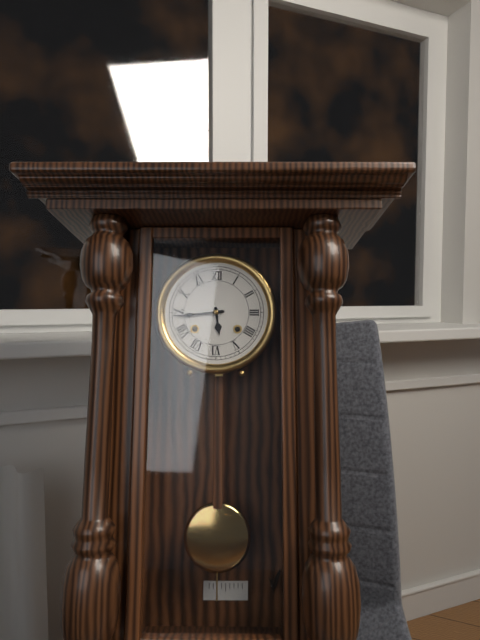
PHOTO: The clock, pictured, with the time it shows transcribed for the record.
5:44
